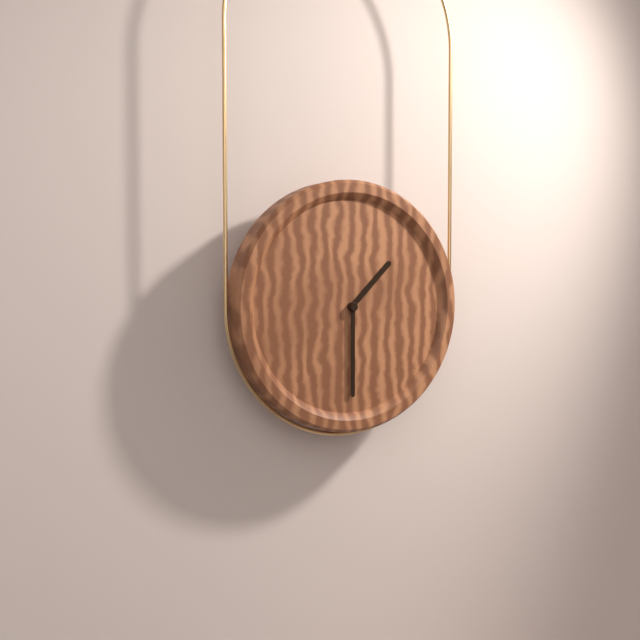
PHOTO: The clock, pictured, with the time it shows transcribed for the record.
1:30
